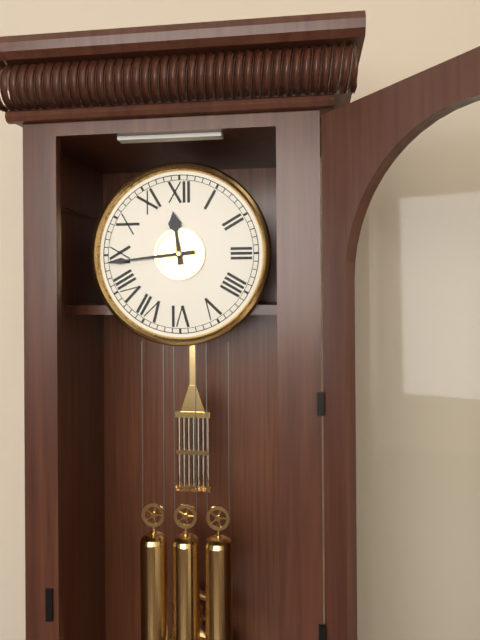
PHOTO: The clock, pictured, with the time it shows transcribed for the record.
11:44
